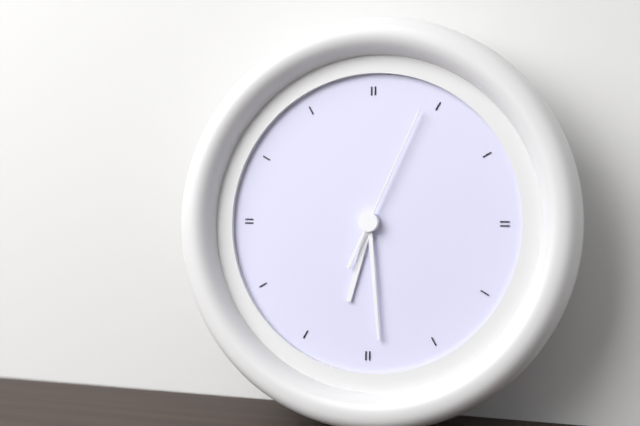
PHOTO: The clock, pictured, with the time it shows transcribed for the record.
6:29:04
